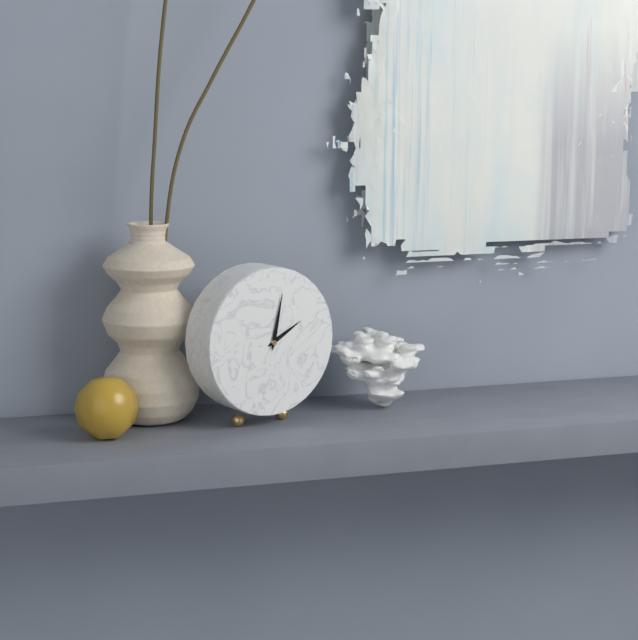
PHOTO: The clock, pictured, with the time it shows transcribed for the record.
2:02
